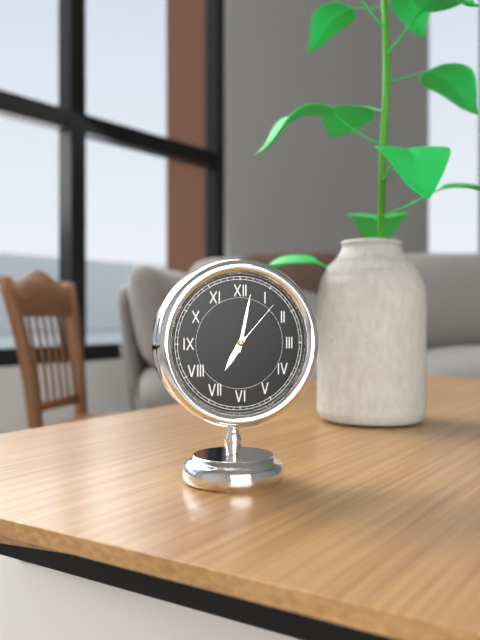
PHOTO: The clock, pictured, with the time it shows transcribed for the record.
7:02:07
